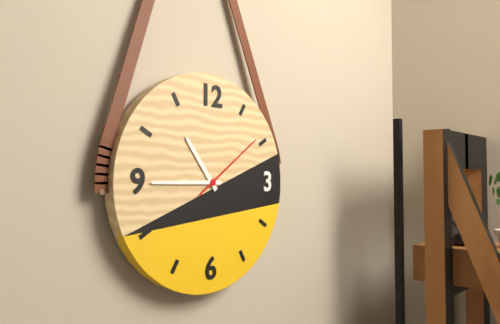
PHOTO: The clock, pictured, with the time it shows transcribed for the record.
10:45:09
